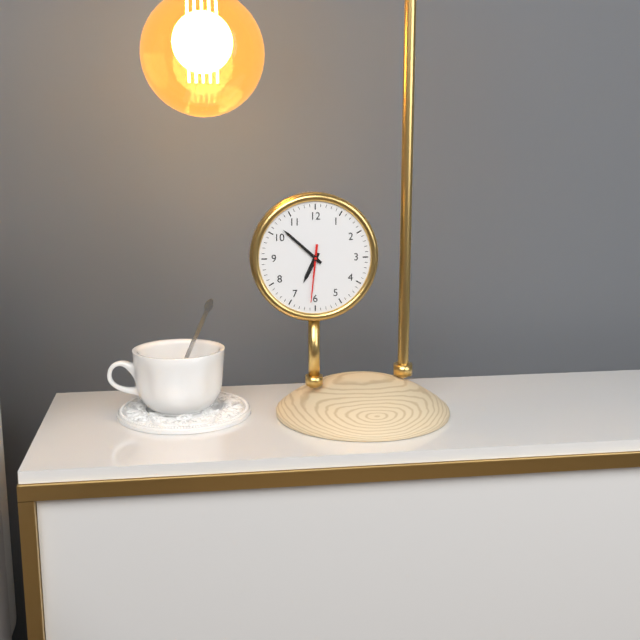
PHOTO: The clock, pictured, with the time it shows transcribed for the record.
6:52:31
